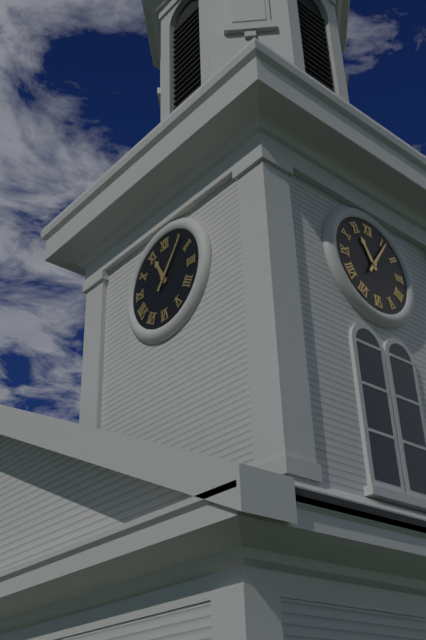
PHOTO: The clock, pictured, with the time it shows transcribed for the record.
11:06
